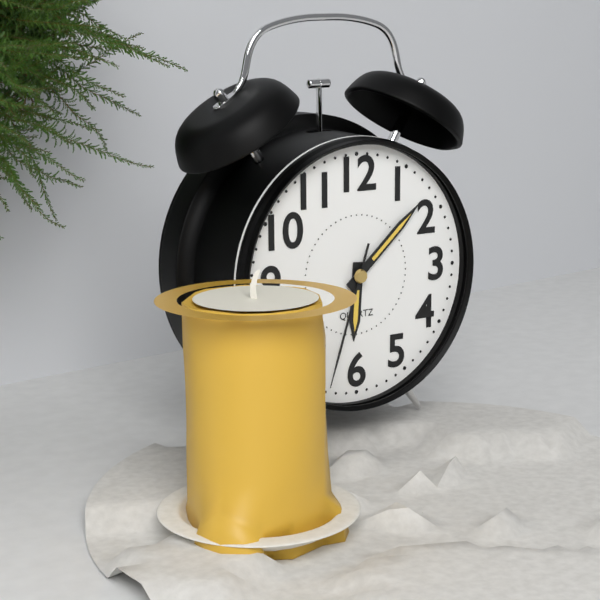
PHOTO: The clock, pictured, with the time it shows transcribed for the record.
6:08:33
